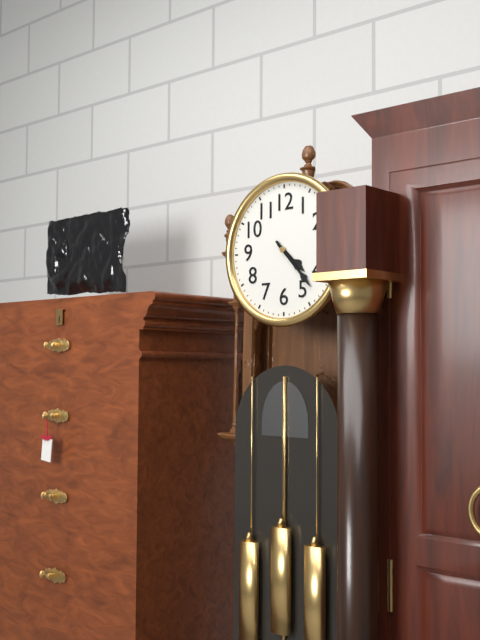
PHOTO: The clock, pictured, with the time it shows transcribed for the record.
4:23
